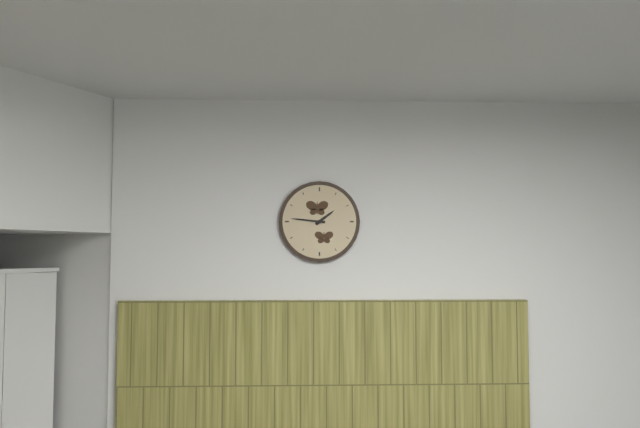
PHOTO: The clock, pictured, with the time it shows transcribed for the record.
1:46
